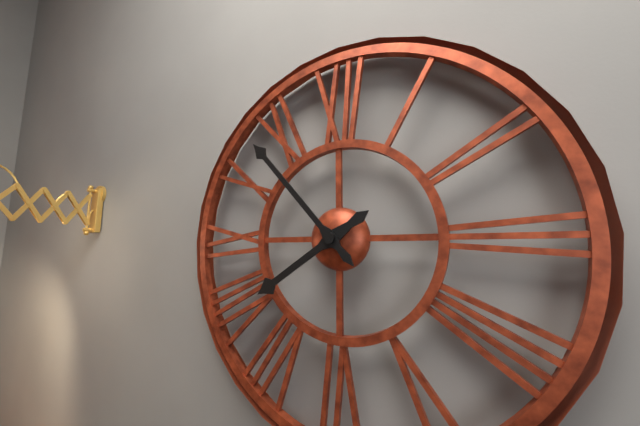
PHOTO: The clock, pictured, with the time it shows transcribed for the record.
7:53
